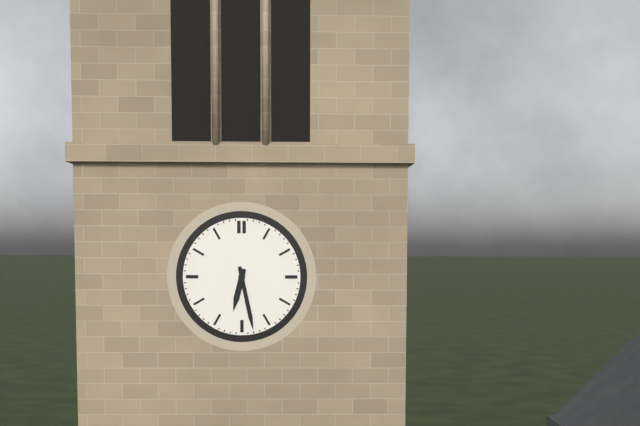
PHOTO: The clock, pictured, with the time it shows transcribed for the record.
6:28
